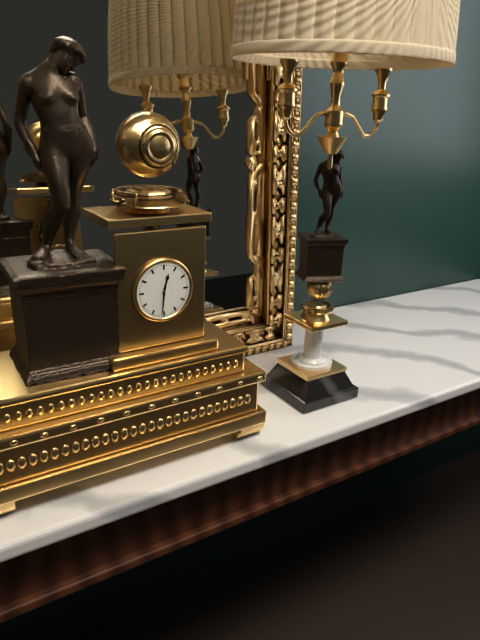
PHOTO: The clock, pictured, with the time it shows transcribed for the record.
12:31
